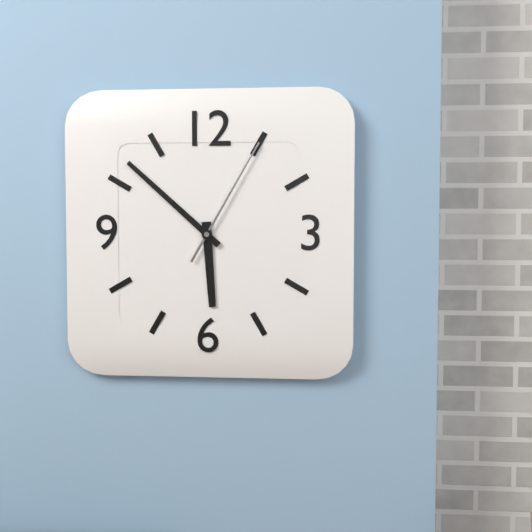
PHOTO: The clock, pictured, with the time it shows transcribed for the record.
5:52:05
